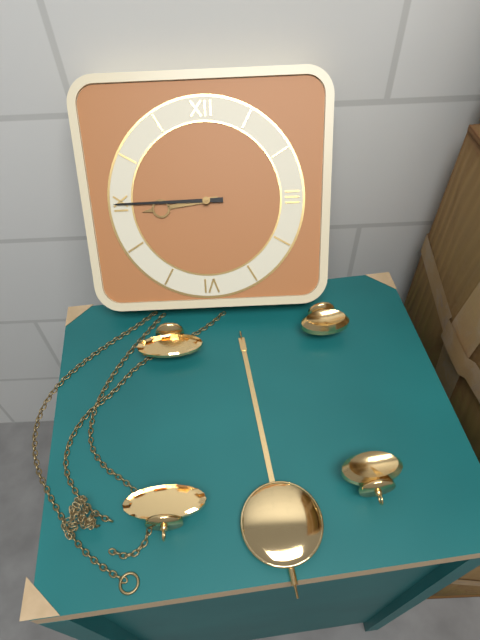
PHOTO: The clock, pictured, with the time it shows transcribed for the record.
8:45
